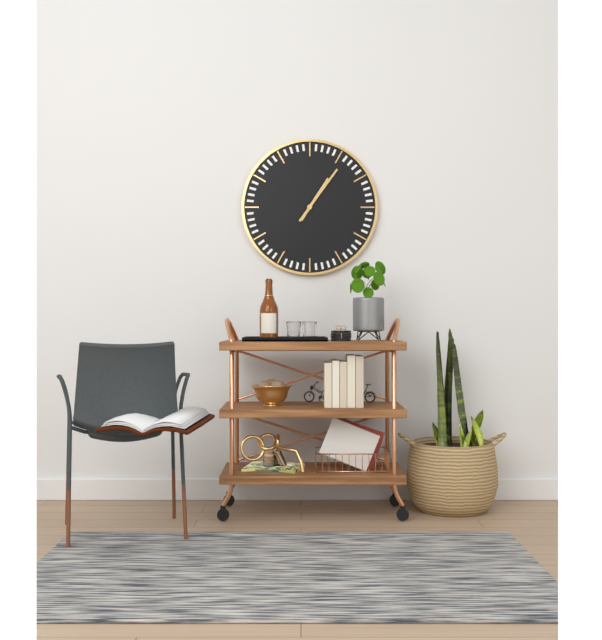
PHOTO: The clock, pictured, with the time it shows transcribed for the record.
1:06
